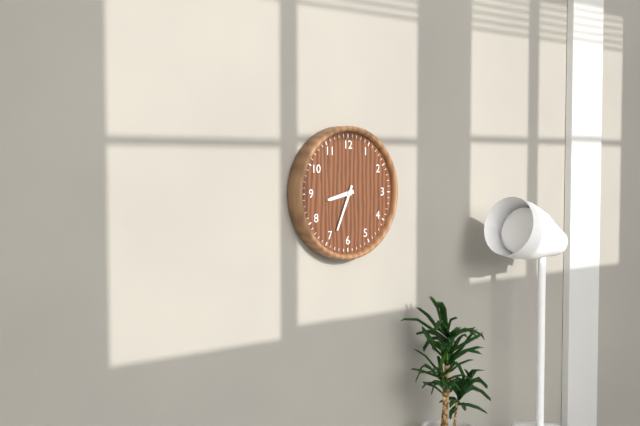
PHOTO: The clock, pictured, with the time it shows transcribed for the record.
8:34
